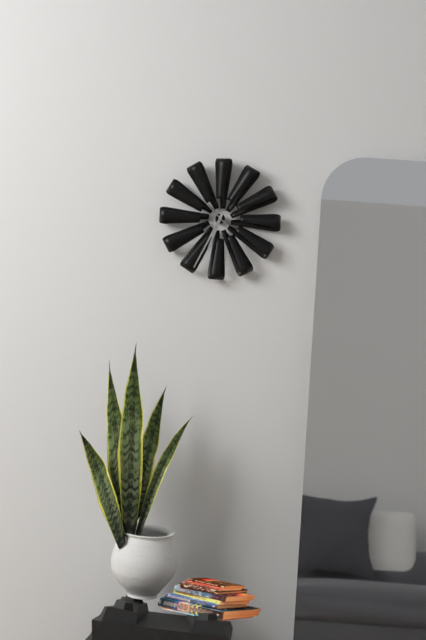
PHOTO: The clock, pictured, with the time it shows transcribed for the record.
6:34:52
